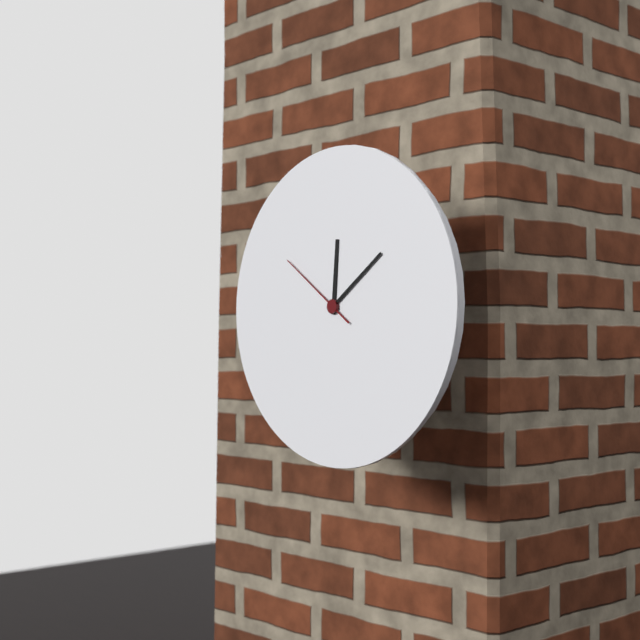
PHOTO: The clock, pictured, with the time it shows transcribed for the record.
12:09:51
